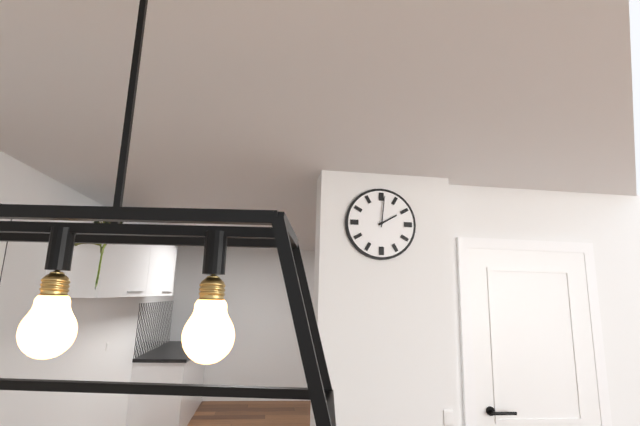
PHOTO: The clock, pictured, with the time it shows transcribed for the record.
2:01
